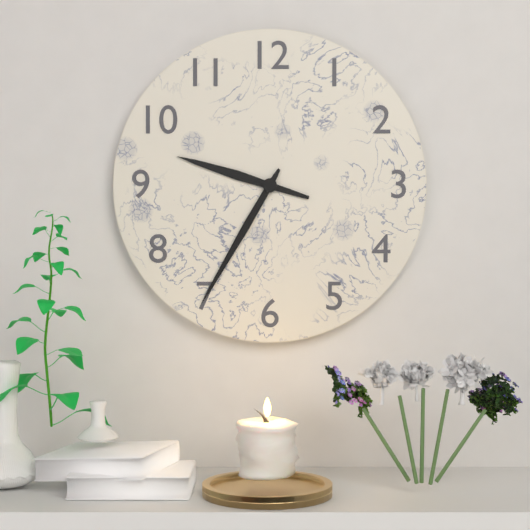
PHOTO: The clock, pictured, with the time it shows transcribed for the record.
9:35
